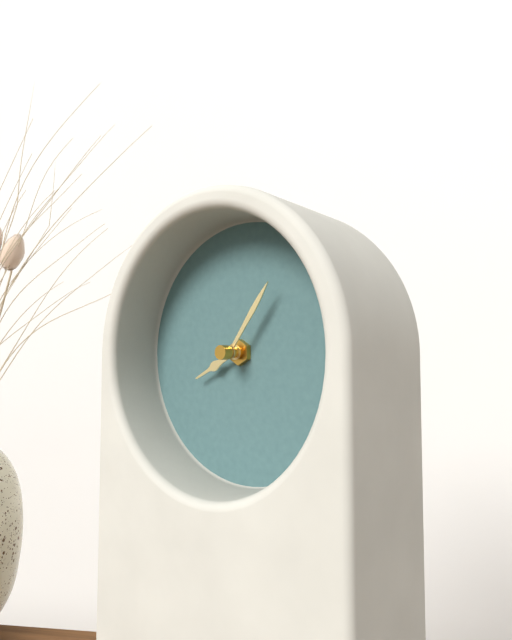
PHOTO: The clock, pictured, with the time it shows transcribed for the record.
8:06
